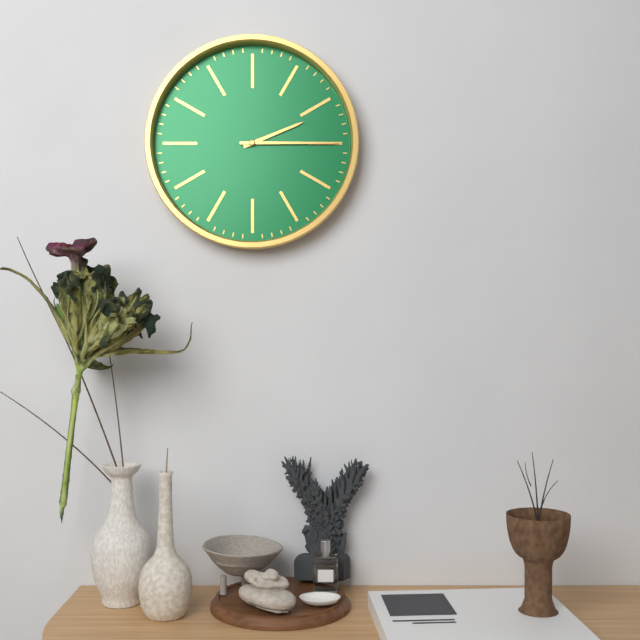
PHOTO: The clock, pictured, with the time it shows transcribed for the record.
2:15
